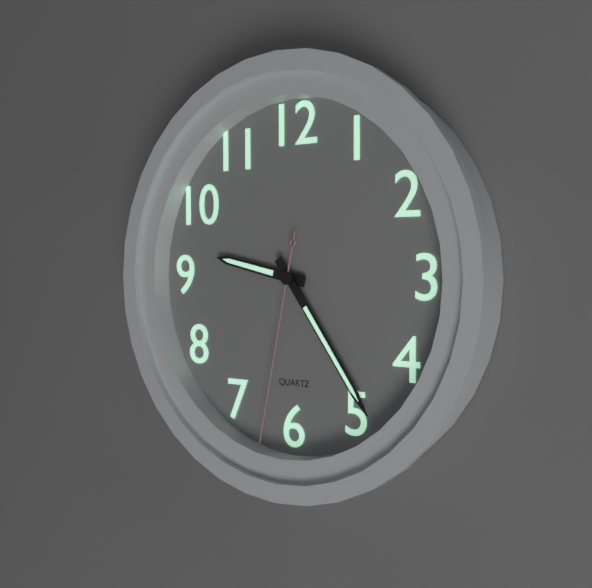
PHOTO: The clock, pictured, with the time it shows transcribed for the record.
9:24:32
